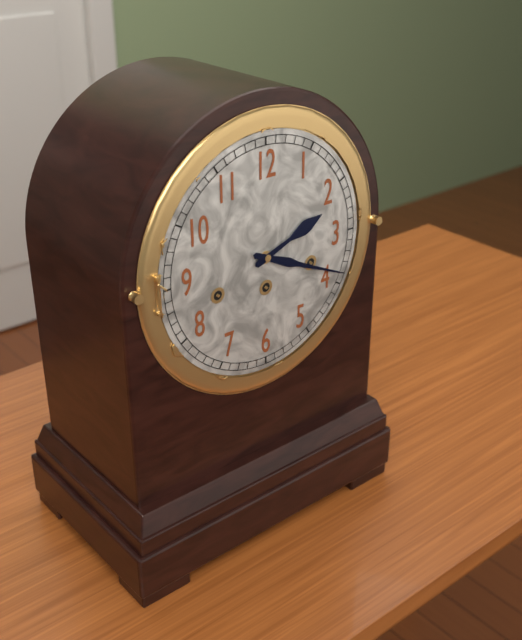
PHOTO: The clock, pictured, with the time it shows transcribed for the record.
2:19
